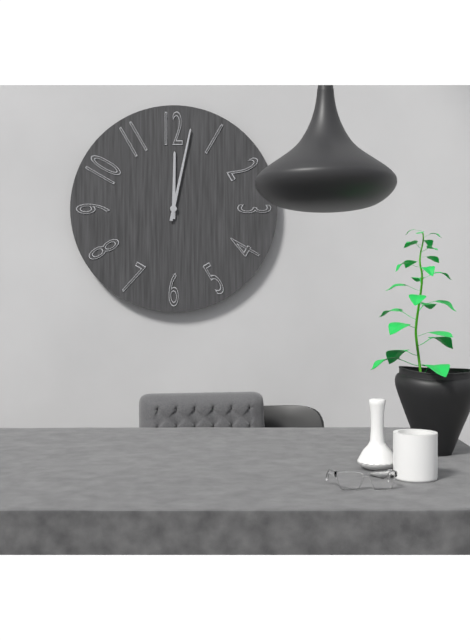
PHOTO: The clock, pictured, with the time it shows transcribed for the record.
12:02
